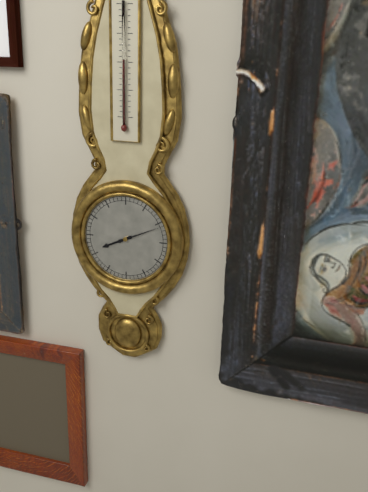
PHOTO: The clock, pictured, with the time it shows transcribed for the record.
8:11
